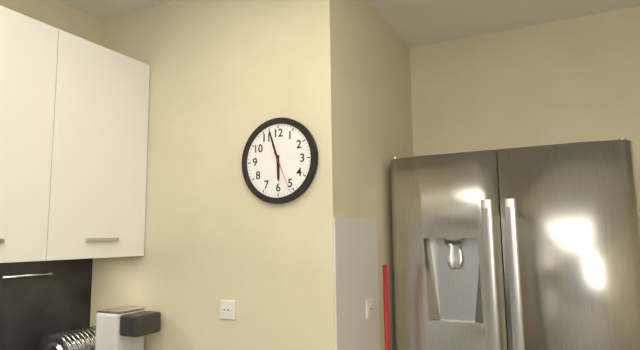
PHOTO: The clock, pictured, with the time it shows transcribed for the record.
5:57
